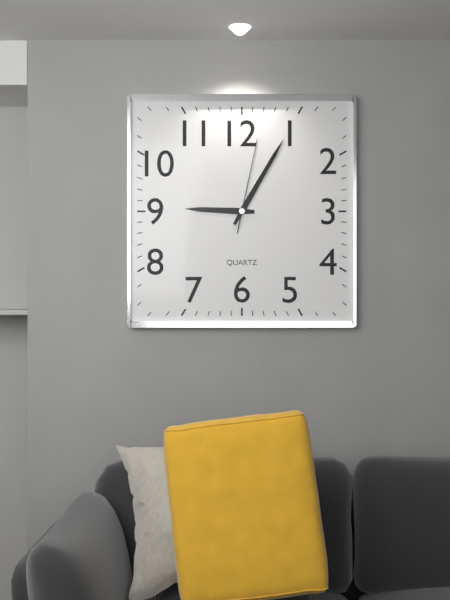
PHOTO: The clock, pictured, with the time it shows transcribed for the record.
9:05:02
